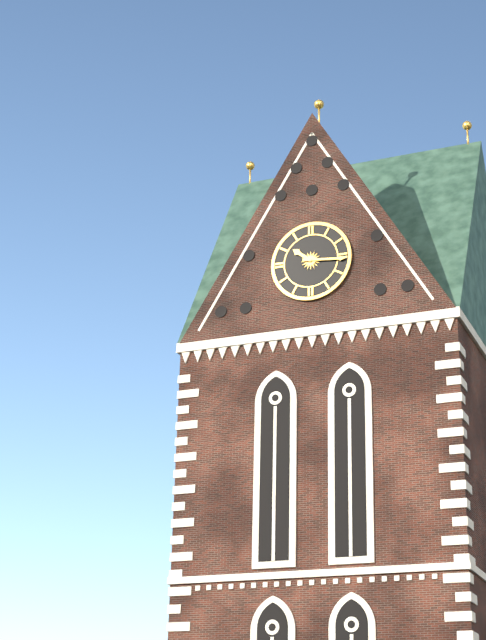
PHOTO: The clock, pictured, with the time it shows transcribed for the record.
10:16
